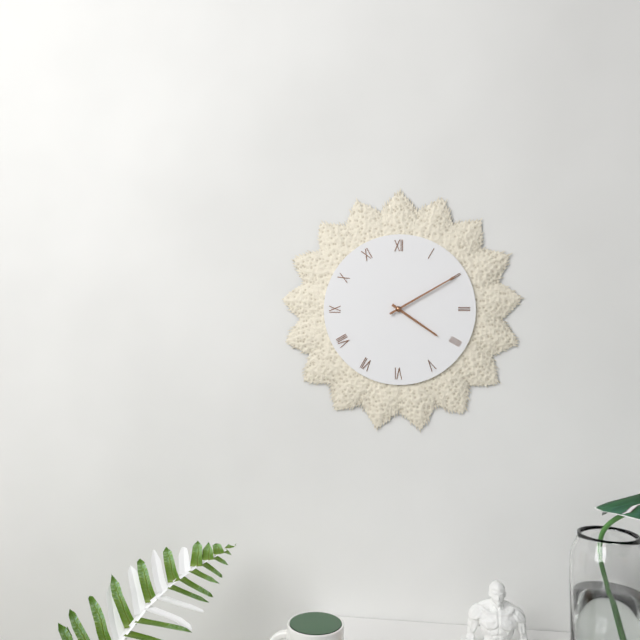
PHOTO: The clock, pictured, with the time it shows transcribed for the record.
4:10
